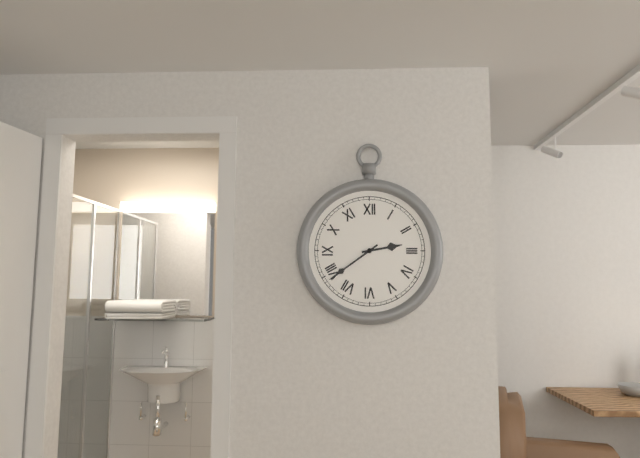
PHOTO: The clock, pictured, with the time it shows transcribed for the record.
2:39
